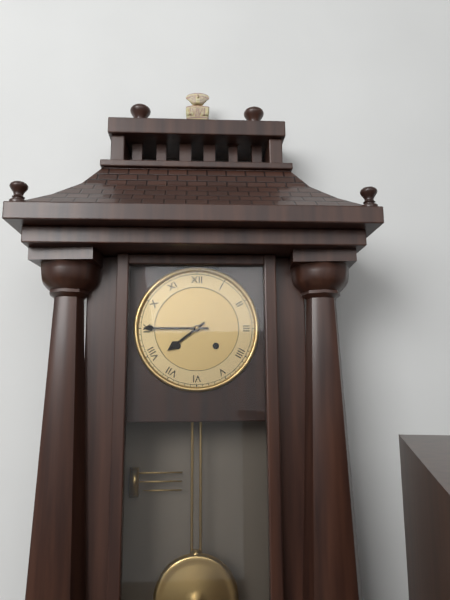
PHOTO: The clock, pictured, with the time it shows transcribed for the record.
7:45
